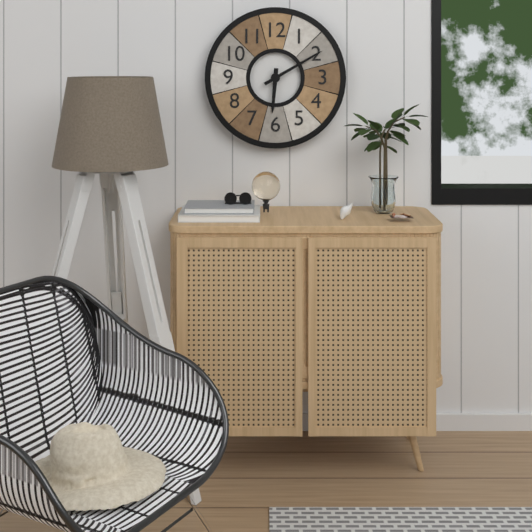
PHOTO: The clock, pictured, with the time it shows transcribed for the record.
6:10
